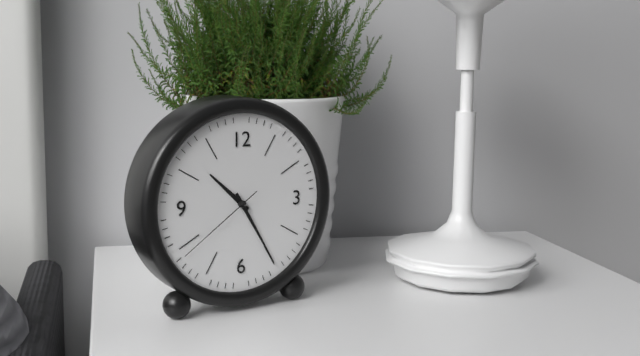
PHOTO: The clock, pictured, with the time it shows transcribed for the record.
10:25:39
